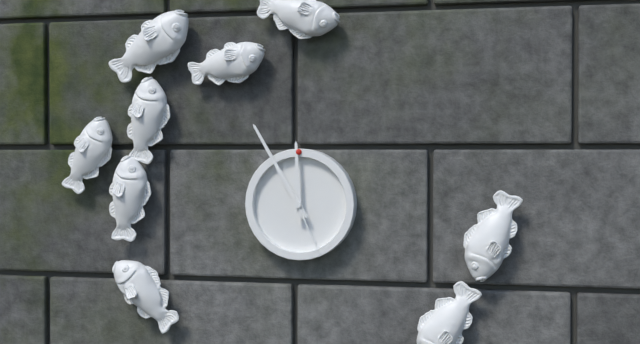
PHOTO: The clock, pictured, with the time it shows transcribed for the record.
11:55:26
